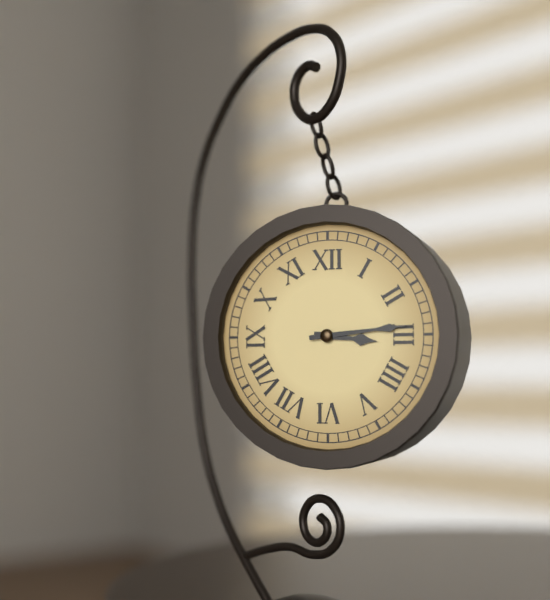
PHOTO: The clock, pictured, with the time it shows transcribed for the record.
3:14
